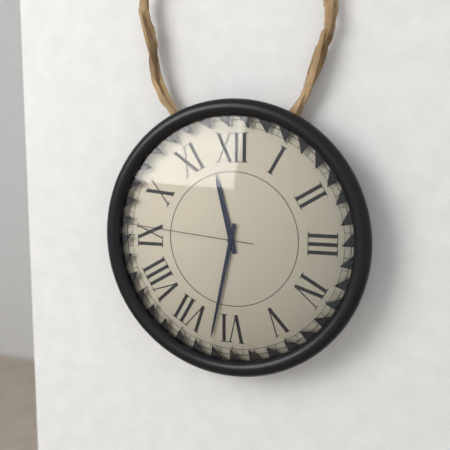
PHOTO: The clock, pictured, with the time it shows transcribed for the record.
11:32:46
